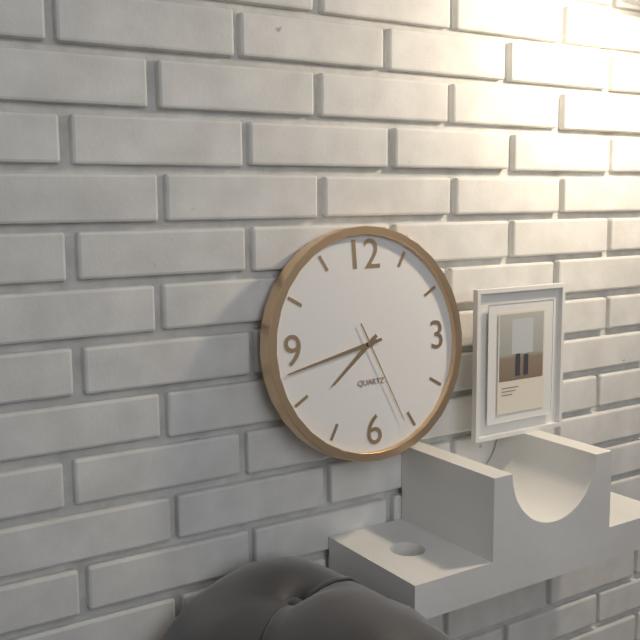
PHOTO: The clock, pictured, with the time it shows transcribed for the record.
7:43:26
